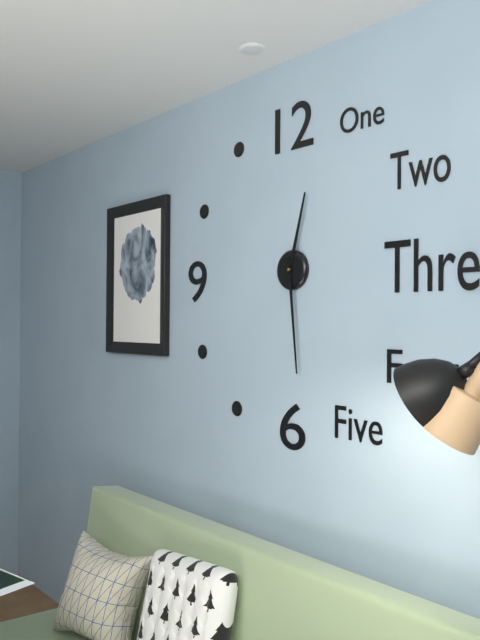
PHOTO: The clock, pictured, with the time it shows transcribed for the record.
12:29
